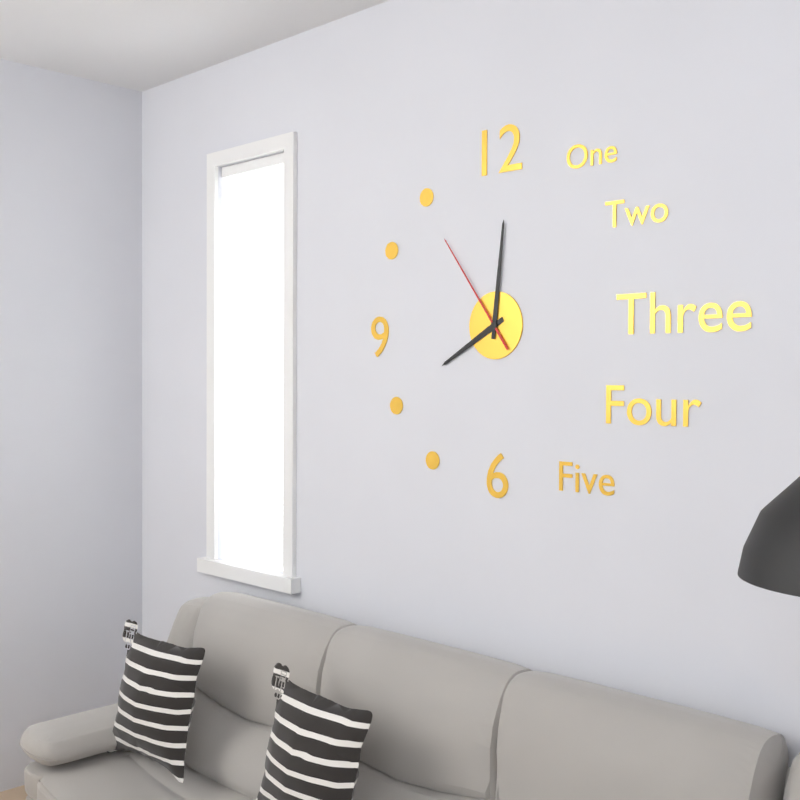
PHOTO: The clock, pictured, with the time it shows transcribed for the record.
8:01:54
